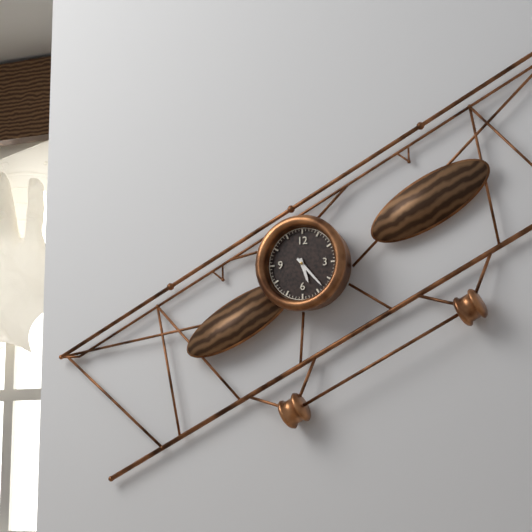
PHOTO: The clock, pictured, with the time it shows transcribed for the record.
5:23
